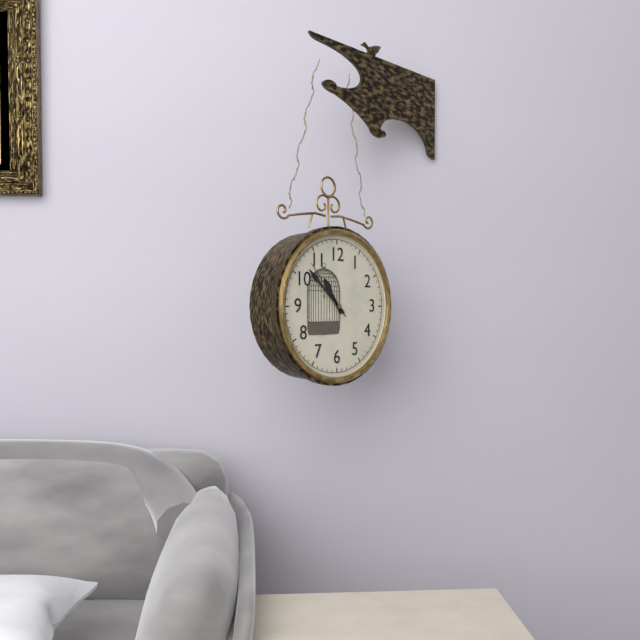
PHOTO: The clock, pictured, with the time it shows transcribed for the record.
10:52:53
